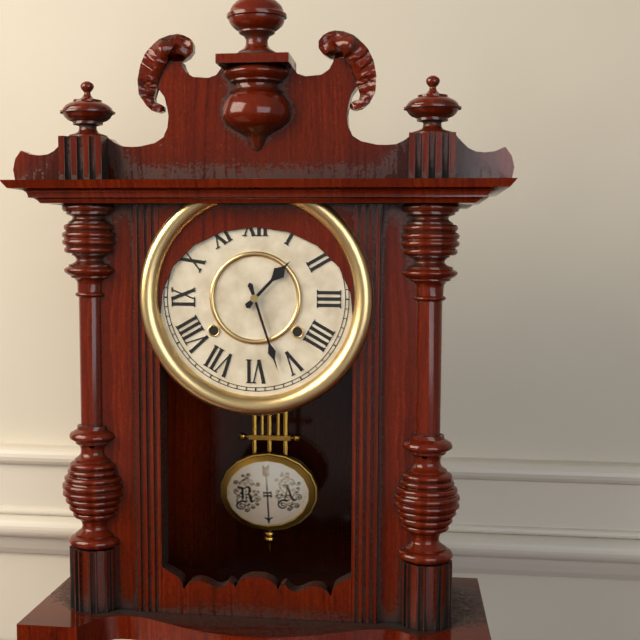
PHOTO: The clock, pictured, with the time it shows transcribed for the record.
1:27
